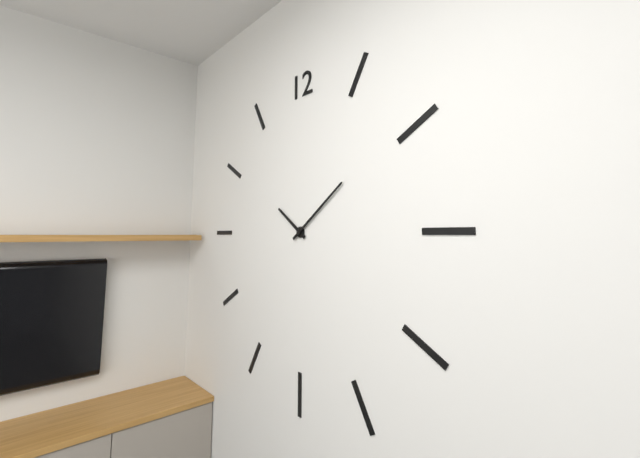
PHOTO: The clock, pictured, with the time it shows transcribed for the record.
10:09
